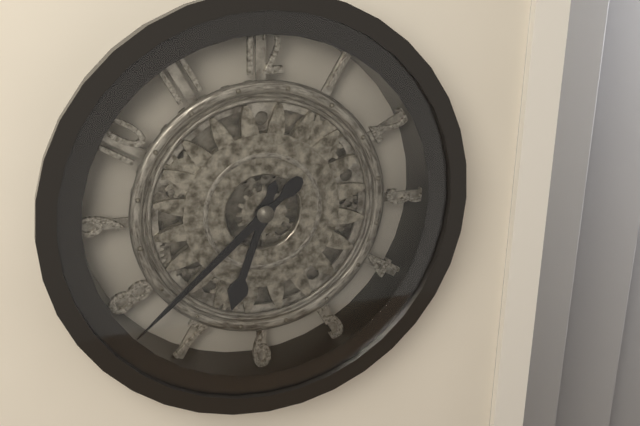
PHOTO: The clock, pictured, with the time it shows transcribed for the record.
6:38
